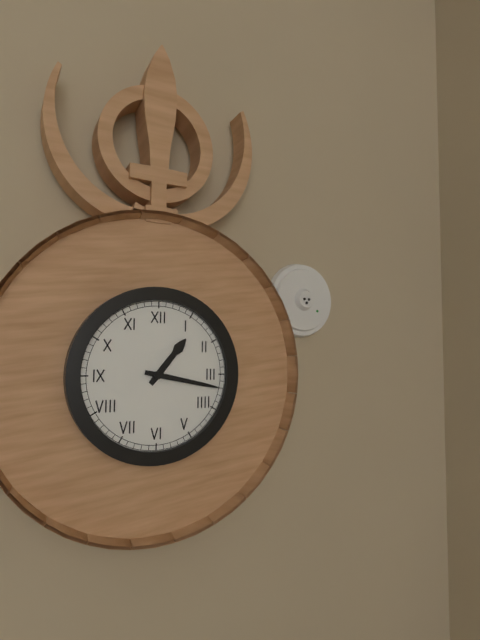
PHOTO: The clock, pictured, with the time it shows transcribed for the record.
1:17
